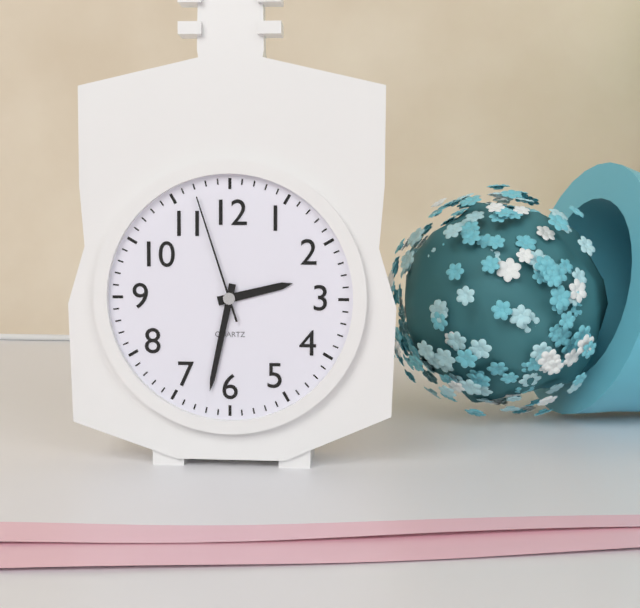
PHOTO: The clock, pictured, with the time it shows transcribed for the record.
2:32:57
